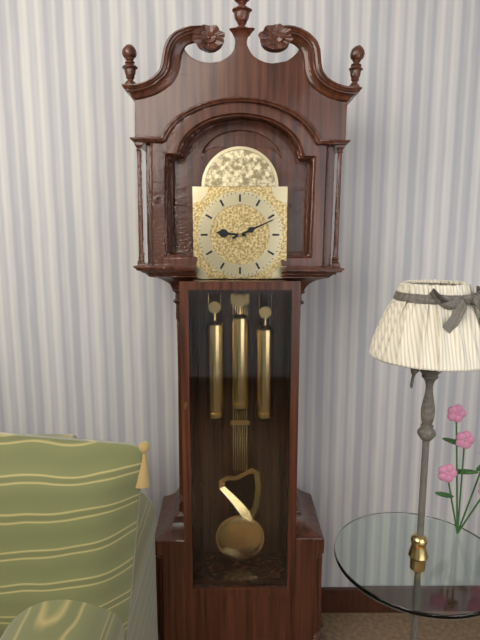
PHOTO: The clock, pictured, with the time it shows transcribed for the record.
9:11
